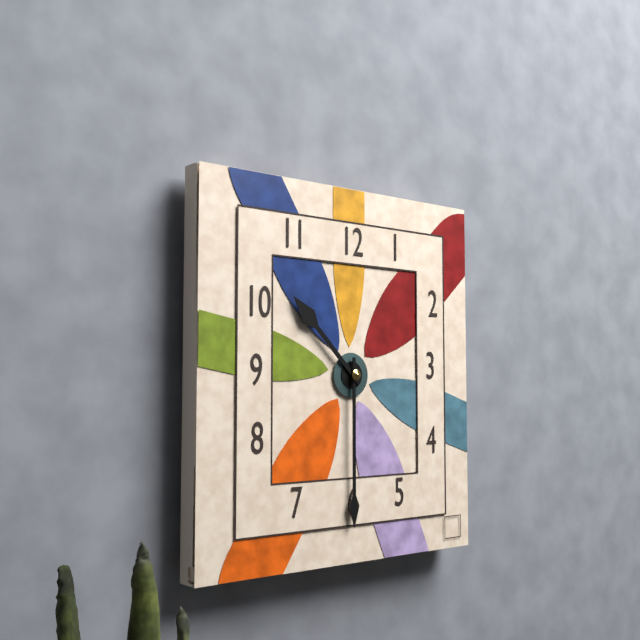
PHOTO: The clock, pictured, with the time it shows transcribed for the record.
10:30
